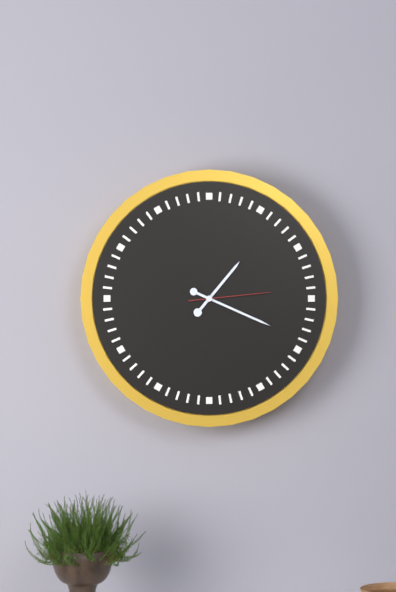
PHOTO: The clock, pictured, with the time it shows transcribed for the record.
1:19:14
